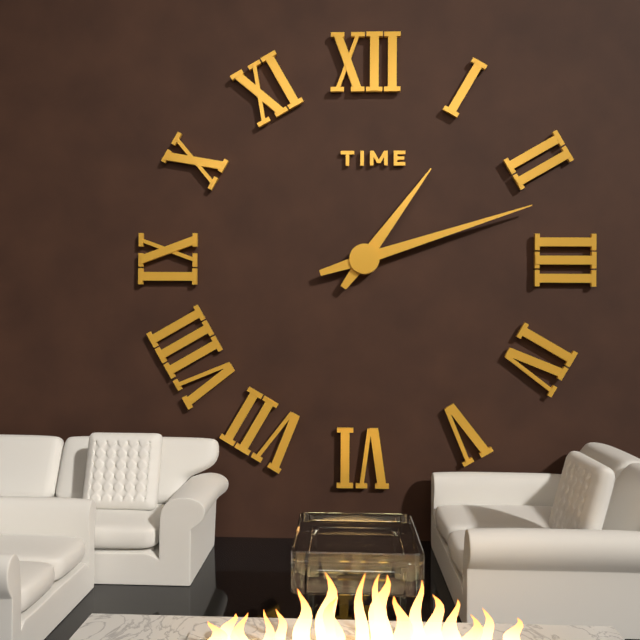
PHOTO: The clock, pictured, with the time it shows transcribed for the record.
1:12
